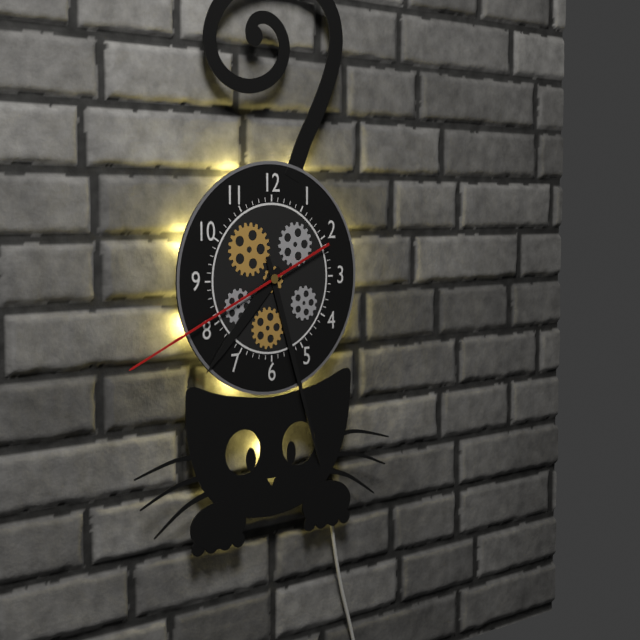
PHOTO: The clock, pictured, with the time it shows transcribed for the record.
7:27:41
